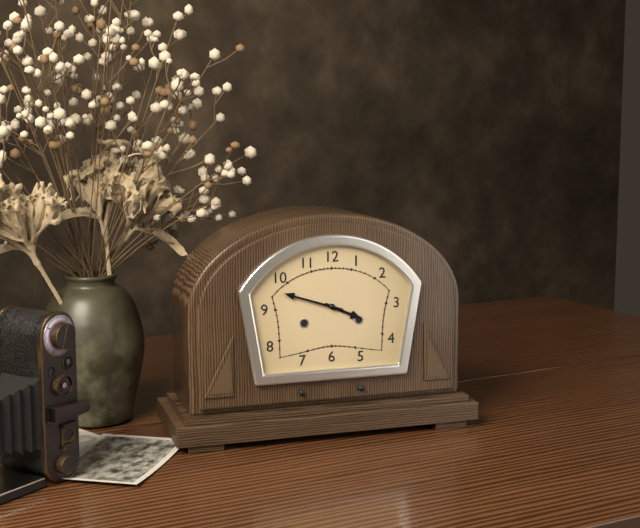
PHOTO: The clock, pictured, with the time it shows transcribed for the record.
3:48
